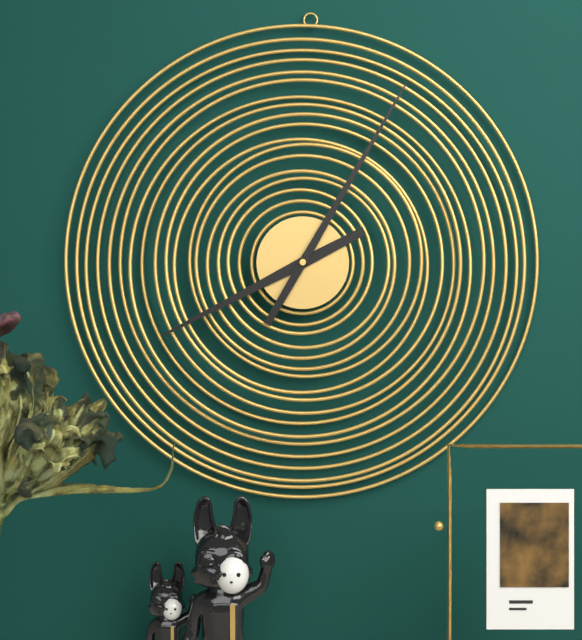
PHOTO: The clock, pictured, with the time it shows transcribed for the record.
8:05
